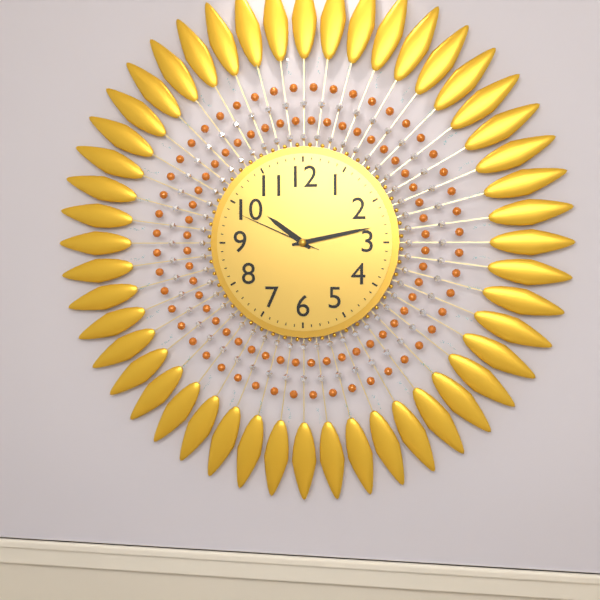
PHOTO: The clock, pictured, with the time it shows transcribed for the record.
10:13:49
